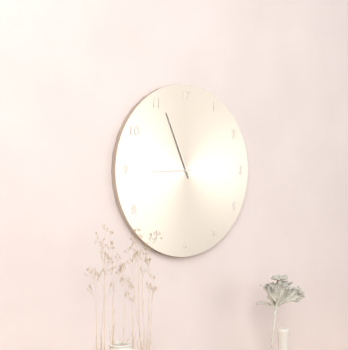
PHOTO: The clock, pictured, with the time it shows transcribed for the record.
8:56
